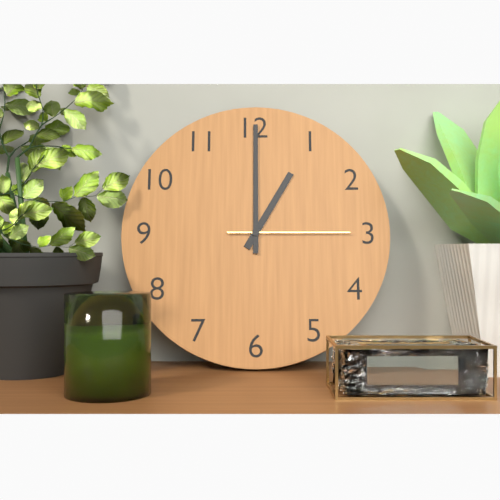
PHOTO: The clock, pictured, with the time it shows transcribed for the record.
1:00:15
